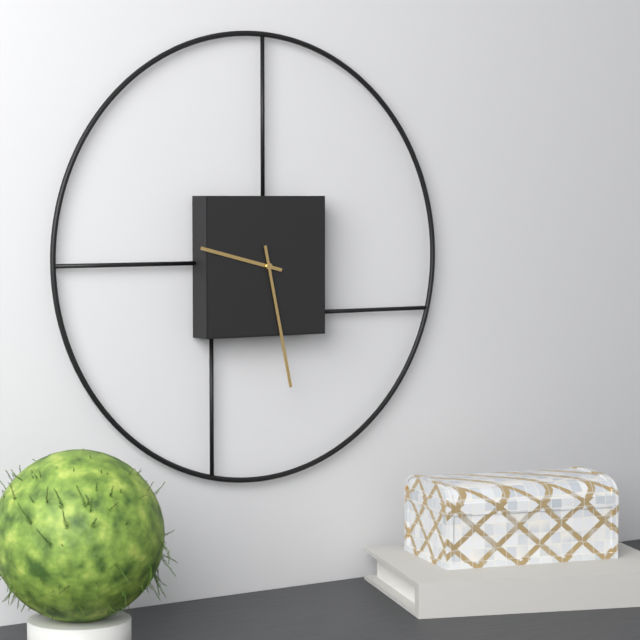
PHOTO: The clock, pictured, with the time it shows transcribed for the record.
9:28
